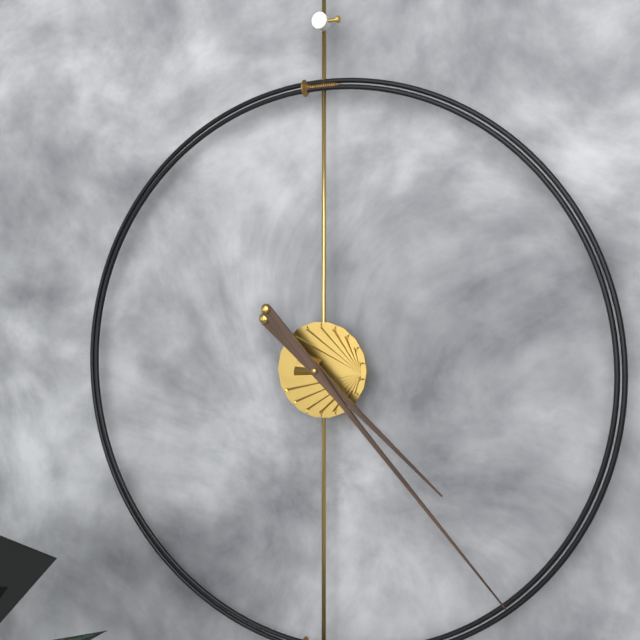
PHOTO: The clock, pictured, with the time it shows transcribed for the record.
4:23
